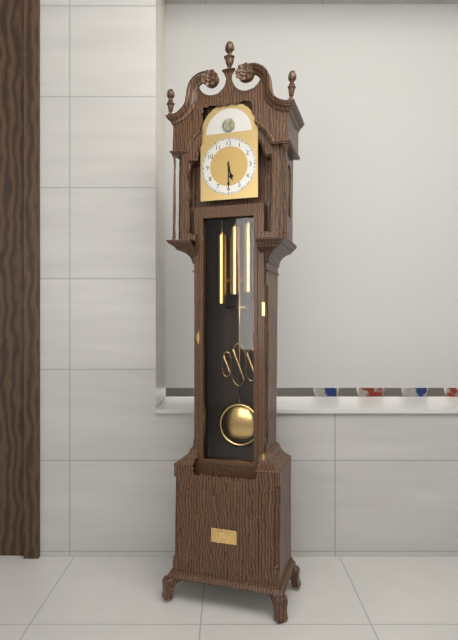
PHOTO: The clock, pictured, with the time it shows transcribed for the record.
5:30
